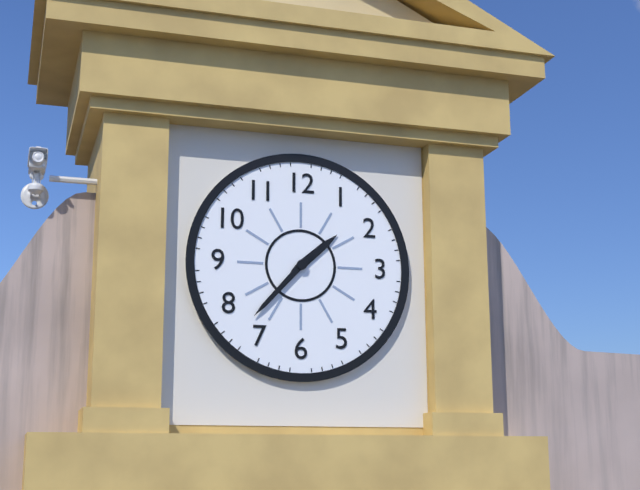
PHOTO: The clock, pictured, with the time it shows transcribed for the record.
1:37
